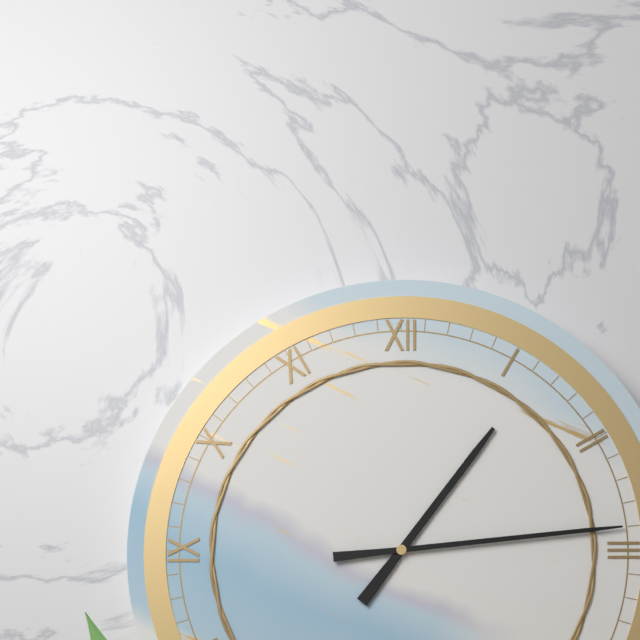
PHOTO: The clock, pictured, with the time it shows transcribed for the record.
1:14
